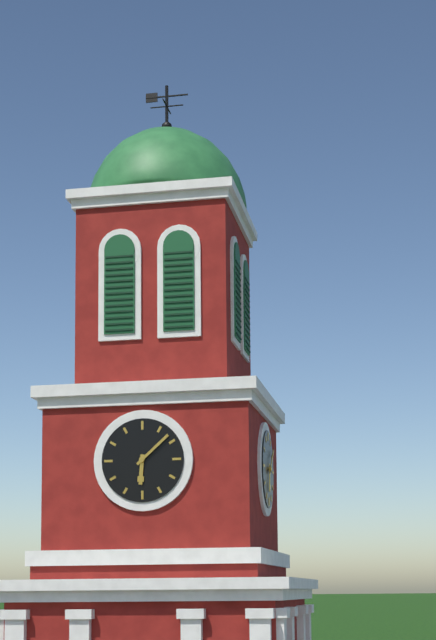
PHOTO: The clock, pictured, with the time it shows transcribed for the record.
6:08
